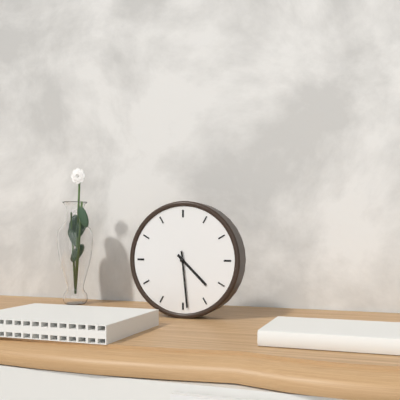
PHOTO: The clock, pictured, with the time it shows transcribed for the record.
4:29
